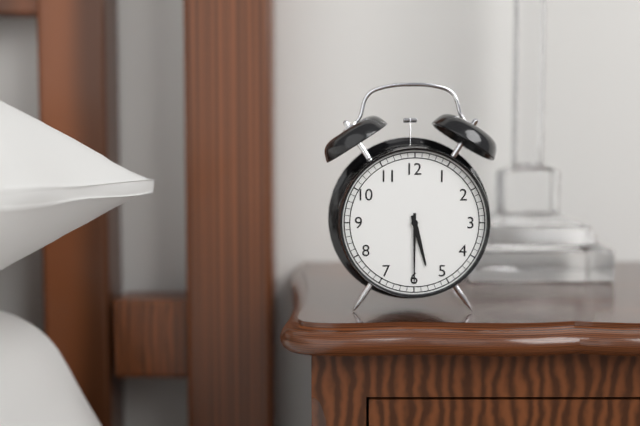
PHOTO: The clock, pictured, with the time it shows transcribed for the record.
5:30
